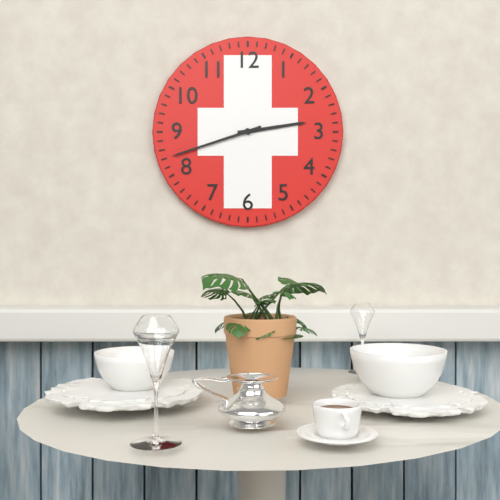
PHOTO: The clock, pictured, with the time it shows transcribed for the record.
2:42
